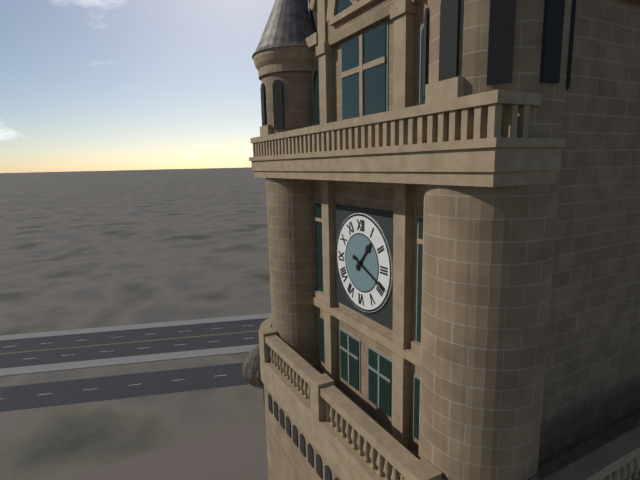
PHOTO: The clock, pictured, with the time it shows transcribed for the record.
1:19
